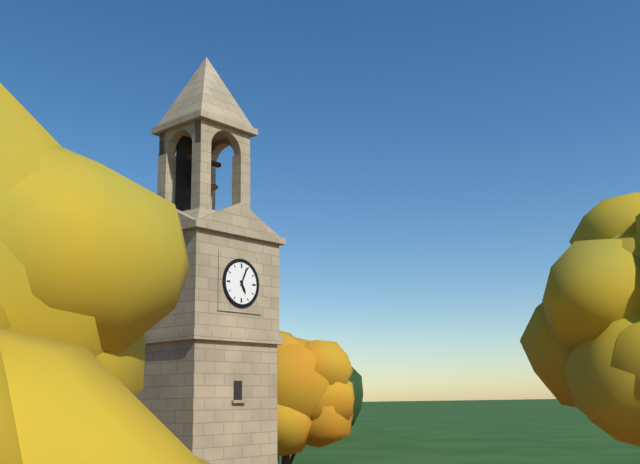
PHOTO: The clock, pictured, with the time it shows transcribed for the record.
5:04
